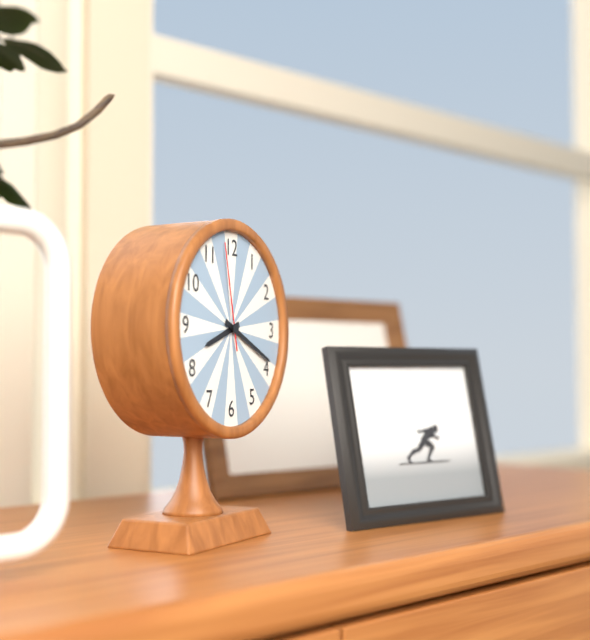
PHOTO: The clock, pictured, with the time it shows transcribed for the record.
8:19:58
